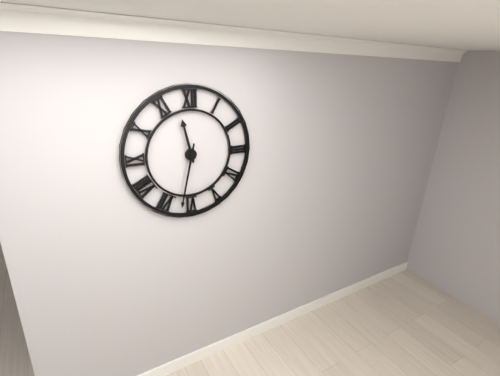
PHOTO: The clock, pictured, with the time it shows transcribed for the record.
11:32
